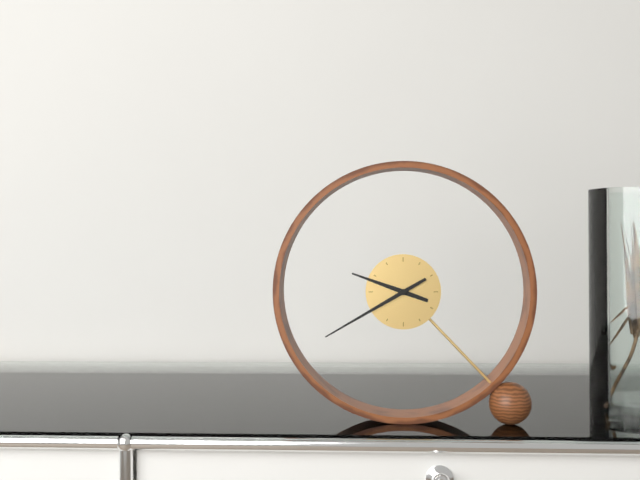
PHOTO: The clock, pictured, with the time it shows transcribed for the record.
9:40
